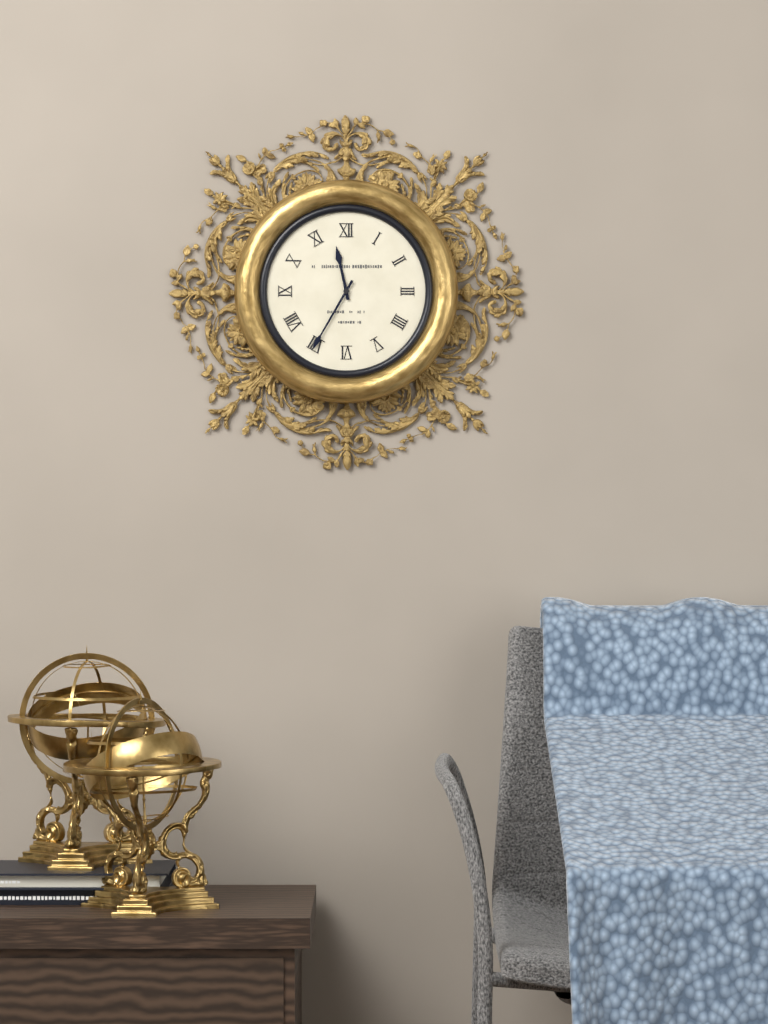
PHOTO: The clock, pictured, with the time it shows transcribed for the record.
11:35
